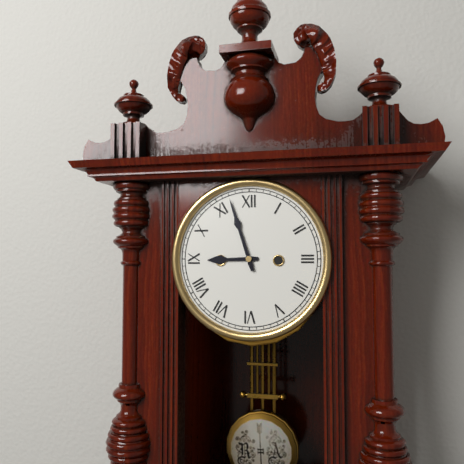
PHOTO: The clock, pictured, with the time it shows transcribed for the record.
8:57
